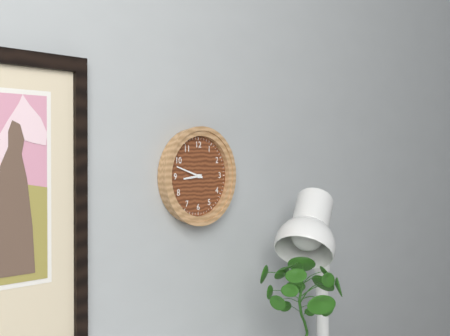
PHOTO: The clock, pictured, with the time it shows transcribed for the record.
8:48
